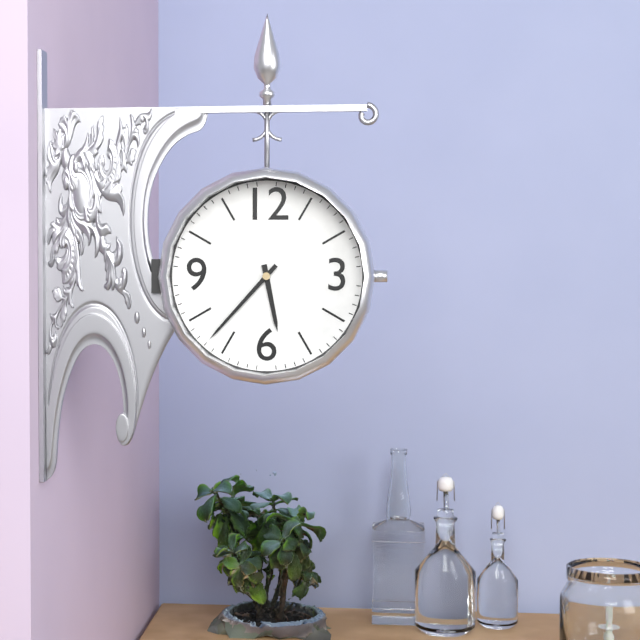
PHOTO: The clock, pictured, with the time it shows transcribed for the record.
5:37
